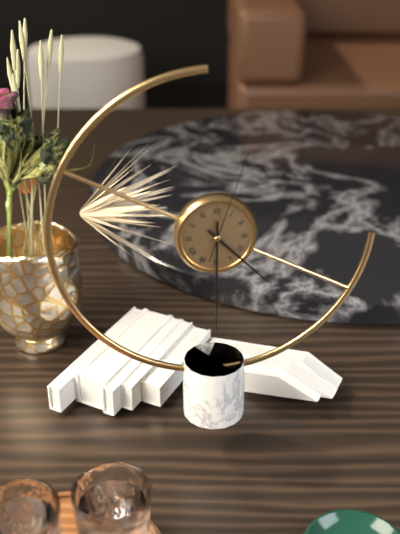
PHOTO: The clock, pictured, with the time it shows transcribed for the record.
4:30:03
